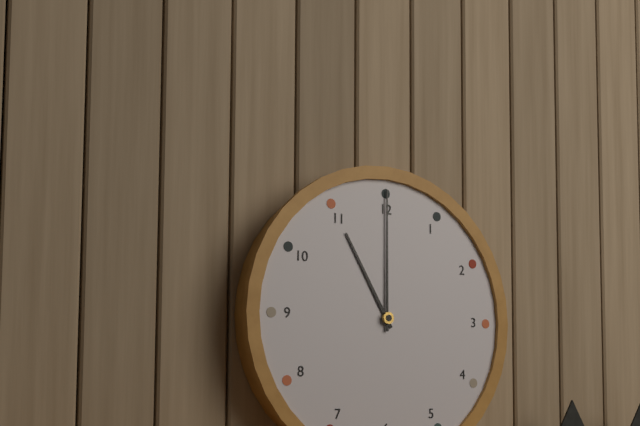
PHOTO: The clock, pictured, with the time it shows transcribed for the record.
11:00
